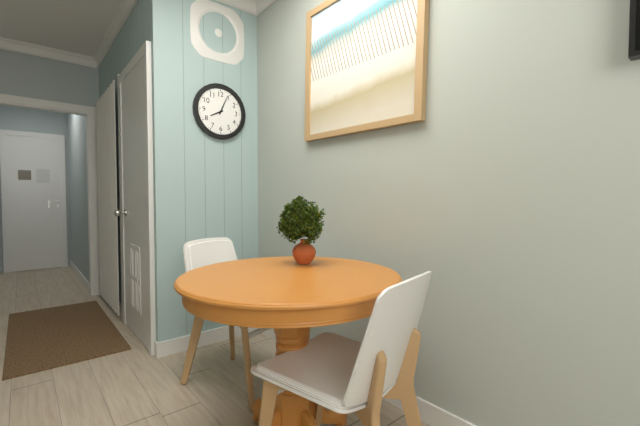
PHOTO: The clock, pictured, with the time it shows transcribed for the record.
8:04
